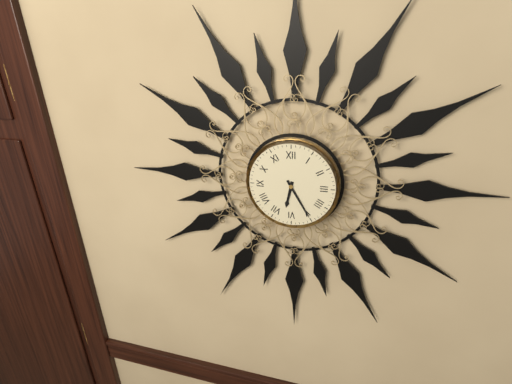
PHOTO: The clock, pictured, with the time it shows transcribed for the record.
6:25
